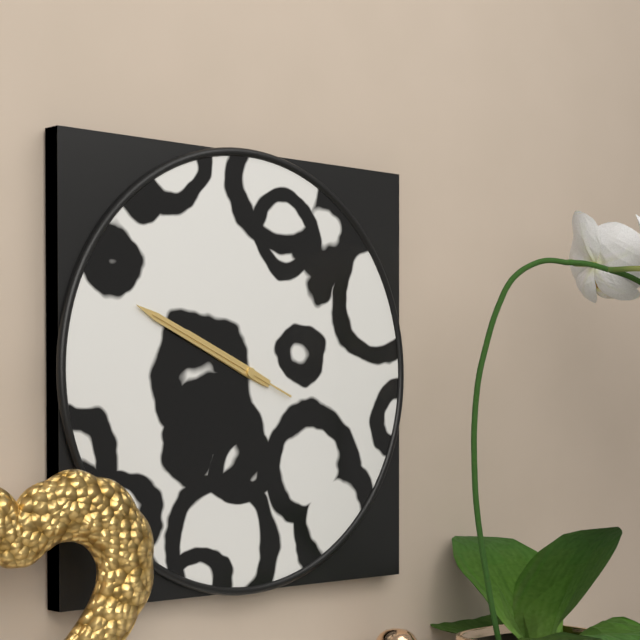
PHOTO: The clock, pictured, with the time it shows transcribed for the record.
9:49:49
